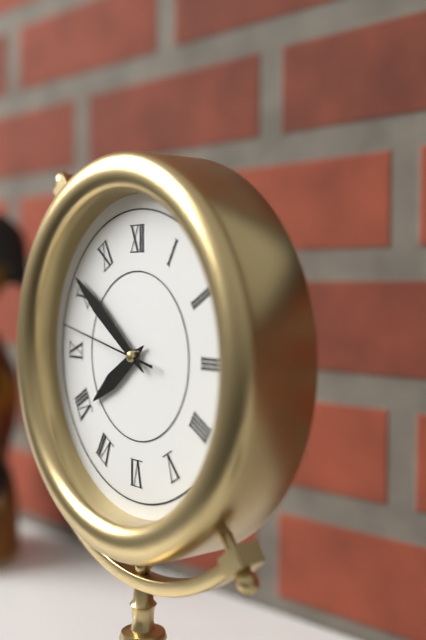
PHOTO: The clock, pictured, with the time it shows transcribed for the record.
7:51:47
